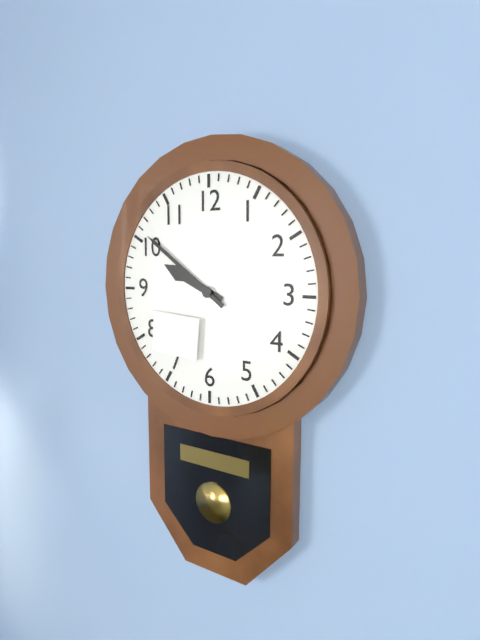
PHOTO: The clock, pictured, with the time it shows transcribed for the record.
9:51
